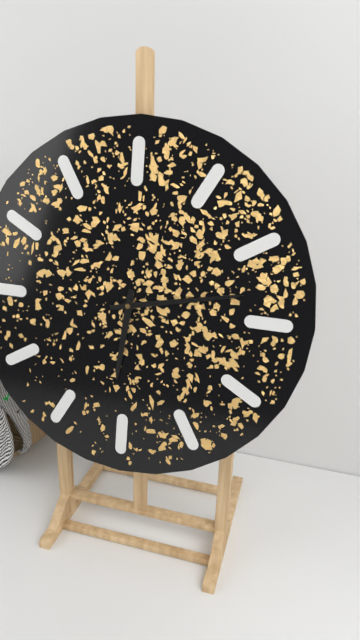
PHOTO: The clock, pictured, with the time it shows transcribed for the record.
6:13
